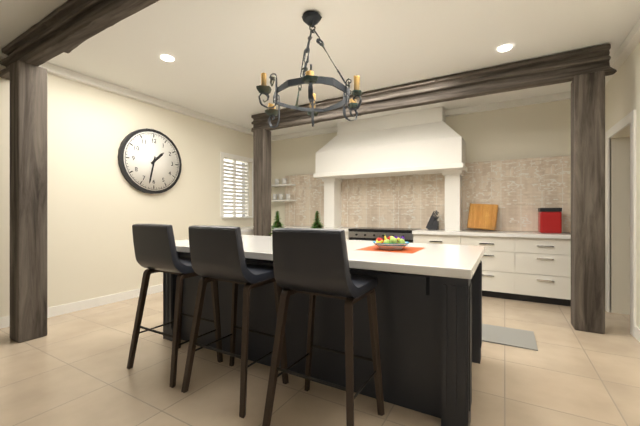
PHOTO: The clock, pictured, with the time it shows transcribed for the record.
1:32
